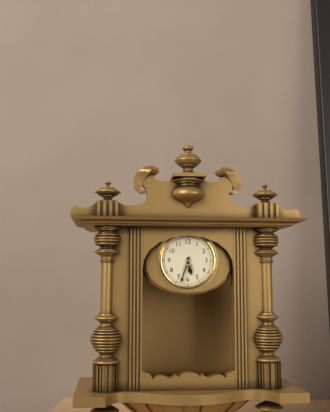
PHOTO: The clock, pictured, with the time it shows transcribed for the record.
5:33
